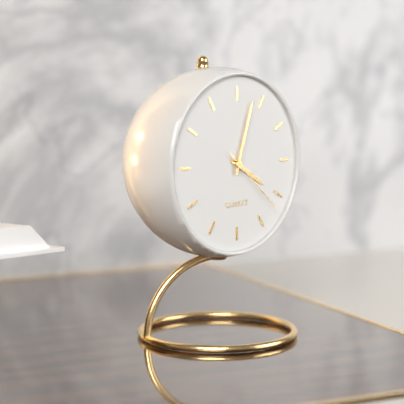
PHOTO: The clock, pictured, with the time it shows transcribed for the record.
4:03:22
